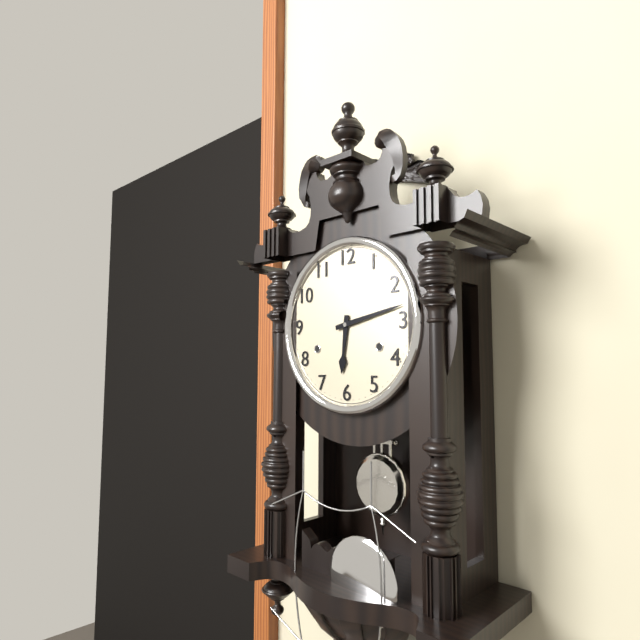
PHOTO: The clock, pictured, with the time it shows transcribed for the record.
6:13
